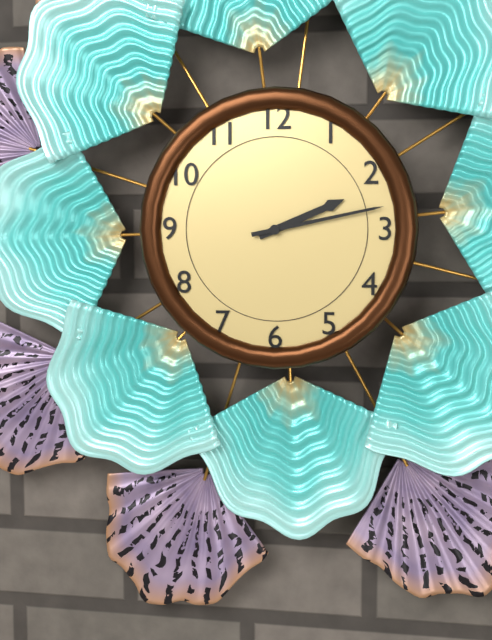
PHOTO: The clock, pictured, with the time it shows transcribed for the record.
2:13
